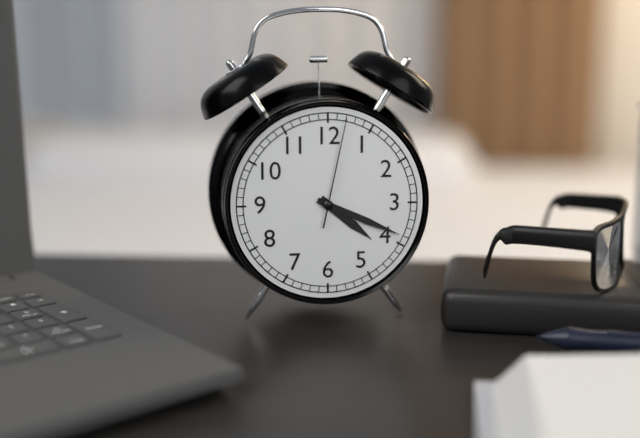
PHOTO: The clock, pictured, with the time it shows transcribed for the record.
4:19:02
